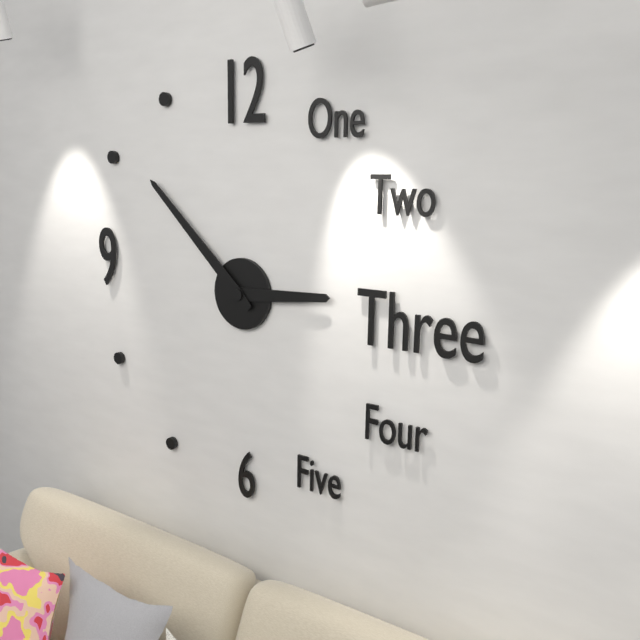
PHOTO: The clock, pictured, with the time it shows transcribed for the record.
2:52
